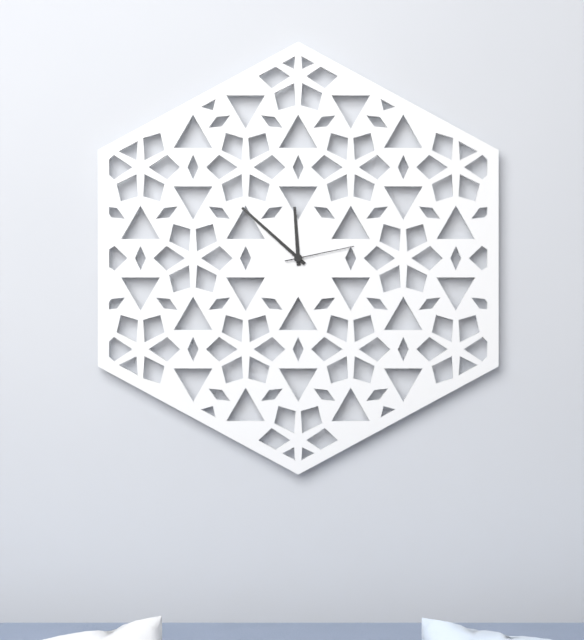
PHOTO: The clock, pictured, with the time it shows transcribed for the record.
11:52:13
